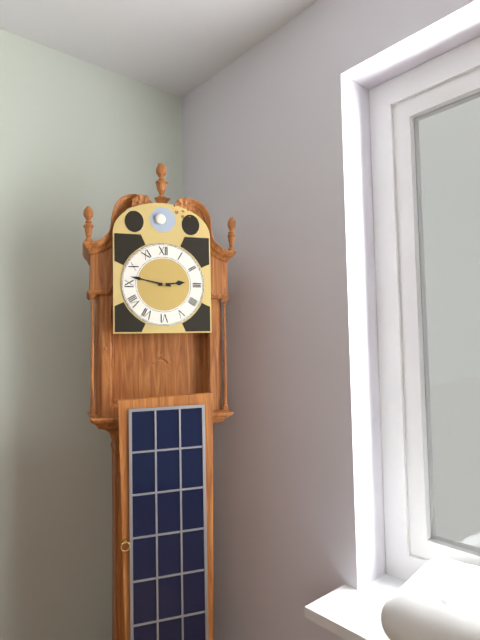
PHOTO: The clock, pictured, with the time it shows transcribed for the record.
2:47
